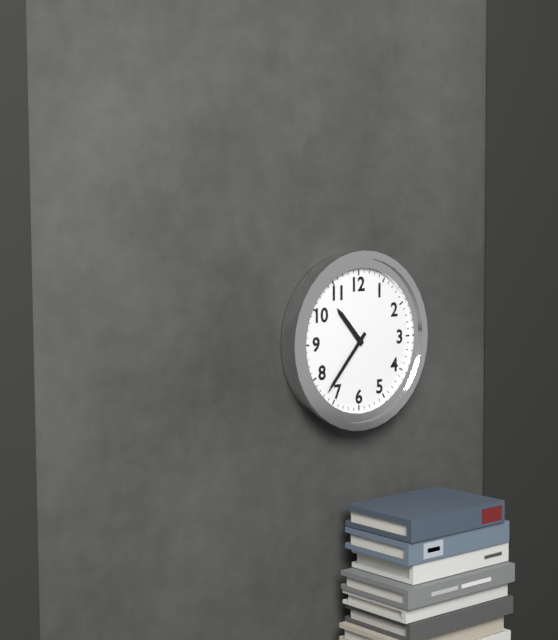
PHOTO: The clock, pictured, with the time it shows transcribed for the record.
10:37
